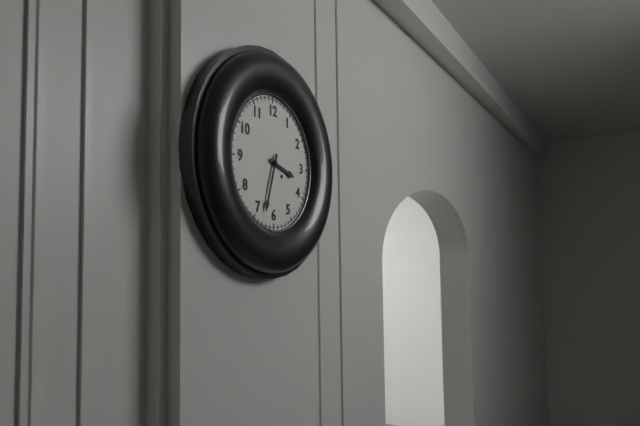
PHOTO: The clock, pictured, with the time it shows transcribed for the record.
3:33
